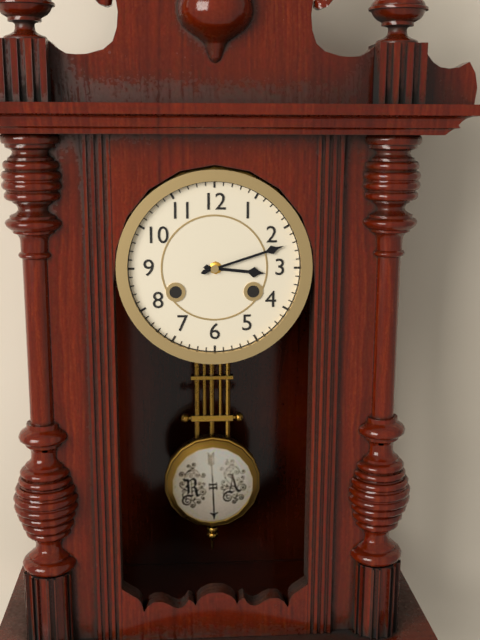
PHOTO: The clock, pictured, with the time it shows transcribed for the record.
3:12
